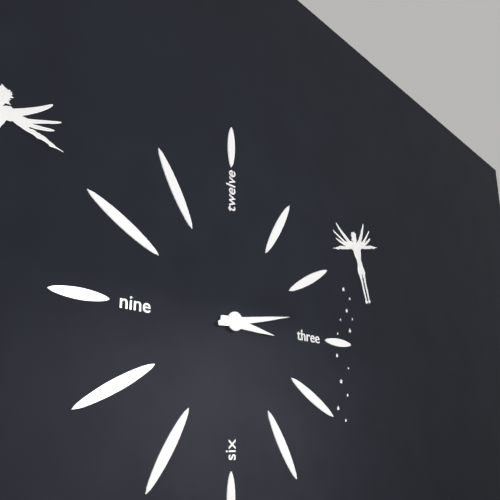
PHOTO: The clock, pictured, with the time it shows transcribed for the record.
3:13
